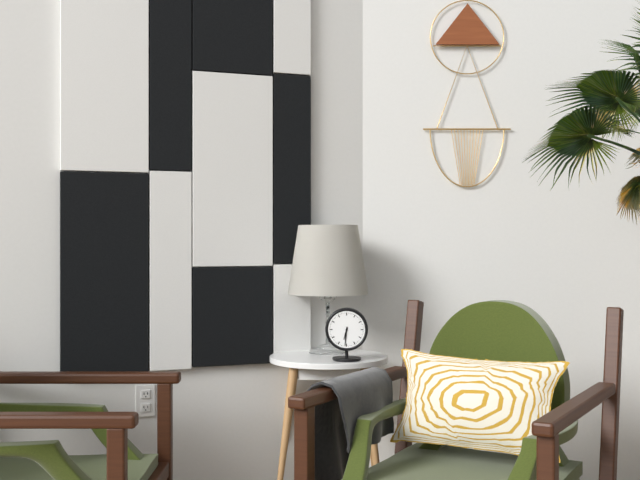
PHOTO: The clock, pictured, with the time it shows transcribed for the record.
6:31
